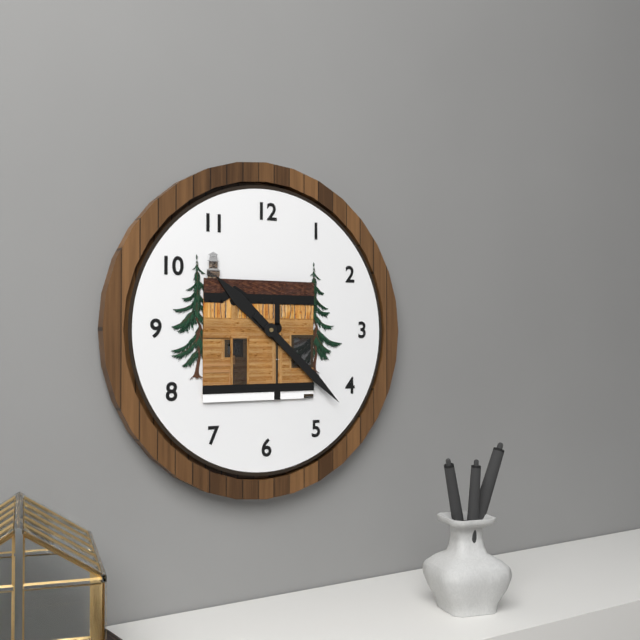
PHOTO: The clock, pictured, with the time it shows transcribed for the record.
10:22
